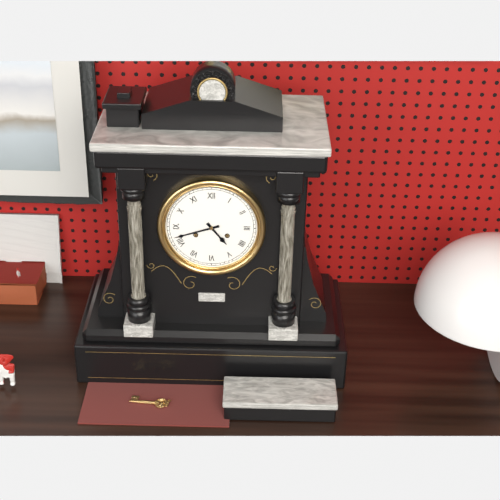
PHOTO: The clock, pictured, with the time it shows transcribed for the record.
4:42
